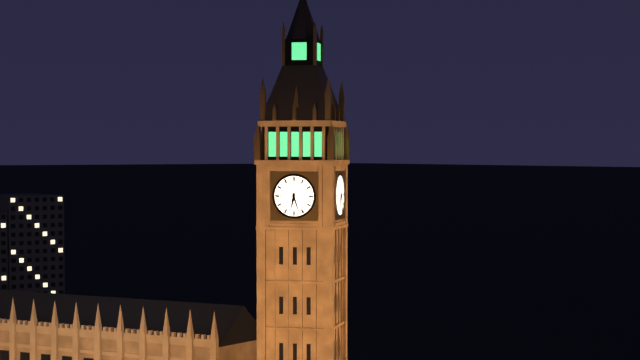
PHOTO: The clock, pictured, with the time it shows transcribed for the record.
6:27
